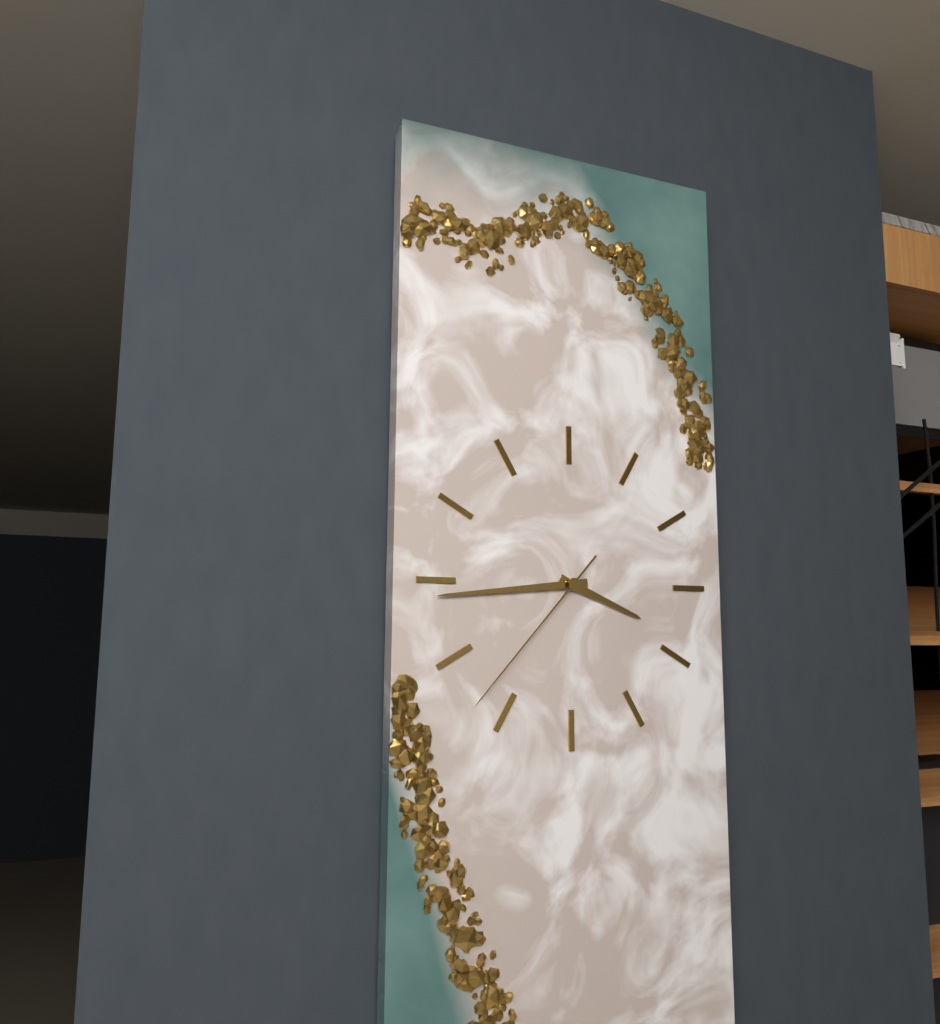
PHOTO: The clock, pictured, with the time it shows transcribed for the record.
3:44:37
